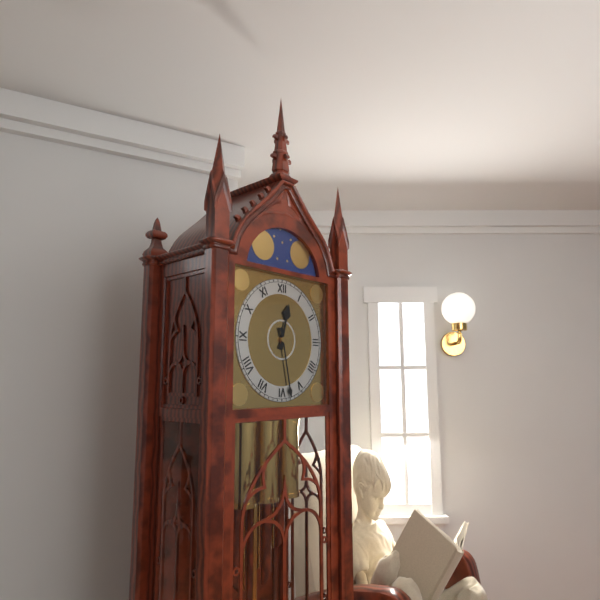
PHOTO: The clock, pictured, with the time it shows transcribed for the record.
12:28
